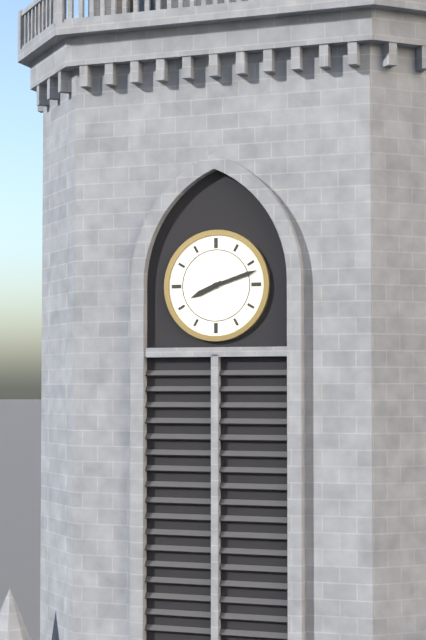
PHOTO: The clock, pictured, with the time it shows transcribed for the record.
8:12
